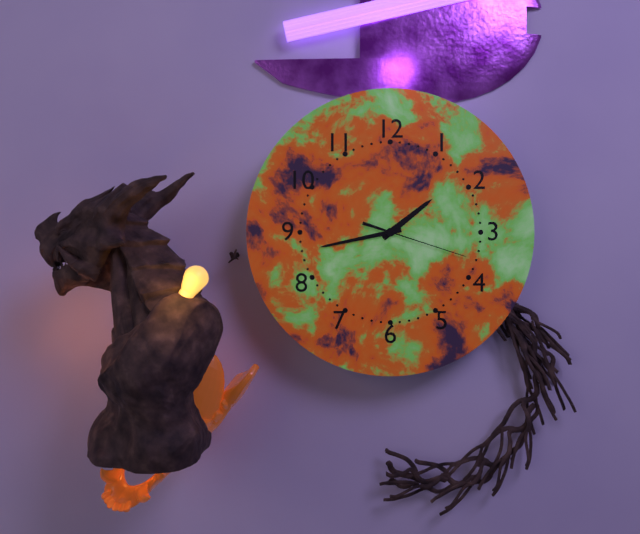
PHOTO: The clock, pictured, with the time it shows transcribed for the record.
1:43:18
